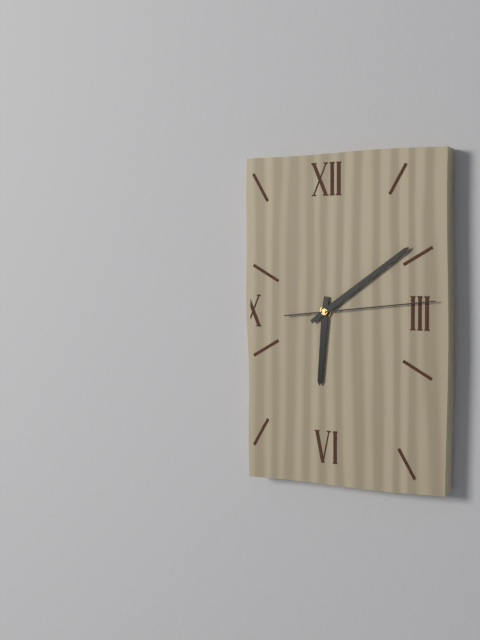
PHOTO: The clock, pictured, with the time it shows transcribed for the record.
6:09:14
